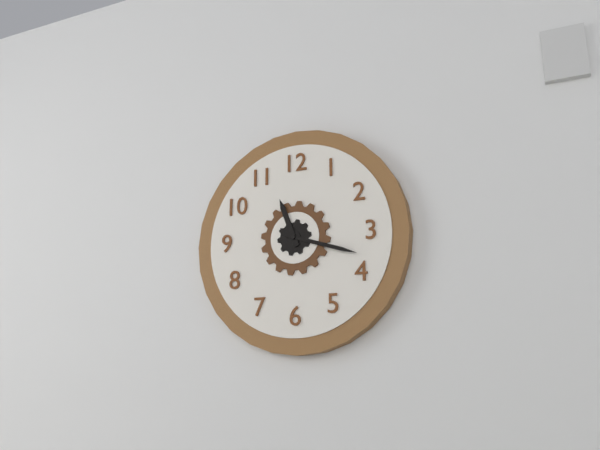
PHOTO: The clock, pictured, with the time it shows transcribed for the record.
11:18
